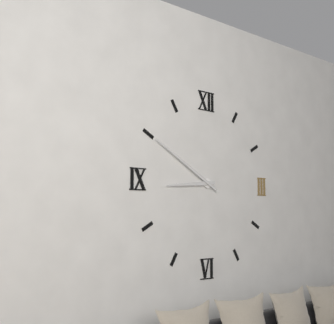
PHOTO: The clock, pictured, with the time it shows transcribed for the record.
8:50
